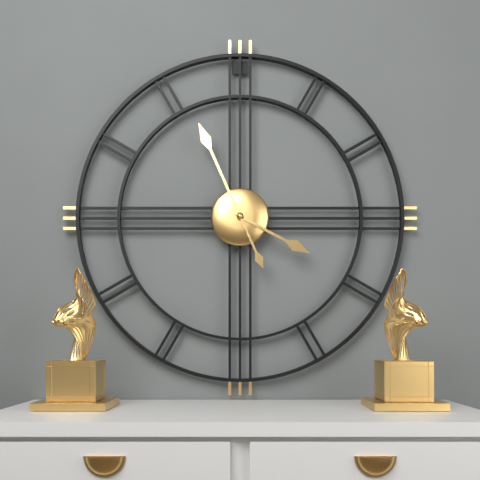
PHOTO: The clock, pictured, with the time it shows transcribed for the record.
3:56
